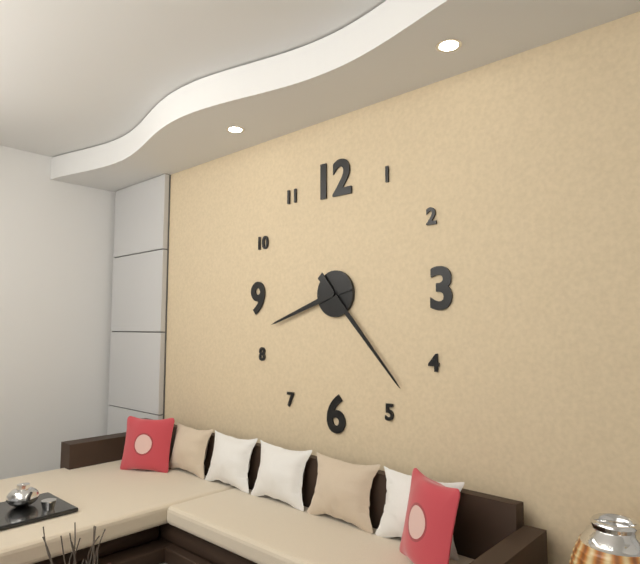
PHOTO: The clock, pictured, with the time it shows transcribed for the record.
8:23
